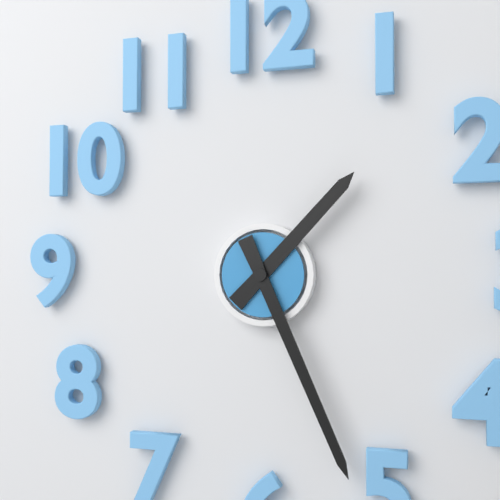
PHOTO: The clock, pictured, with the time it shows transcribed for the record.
1:26
